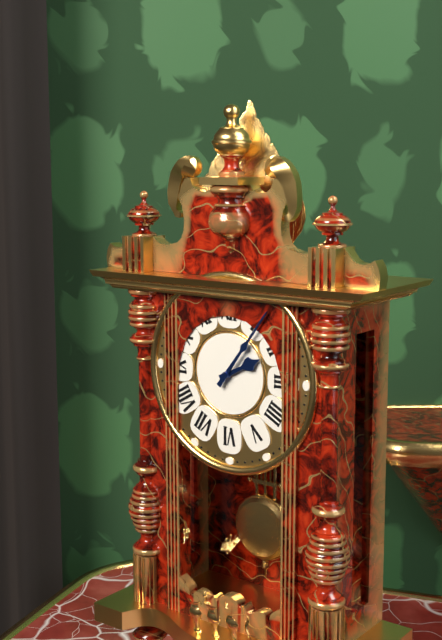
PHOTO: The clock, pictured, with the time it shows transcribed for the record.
2:06
